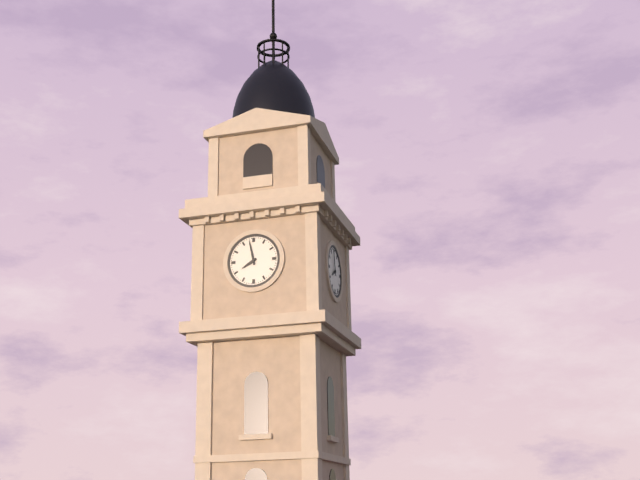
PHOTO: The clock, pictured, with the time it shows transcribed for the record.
7:58
